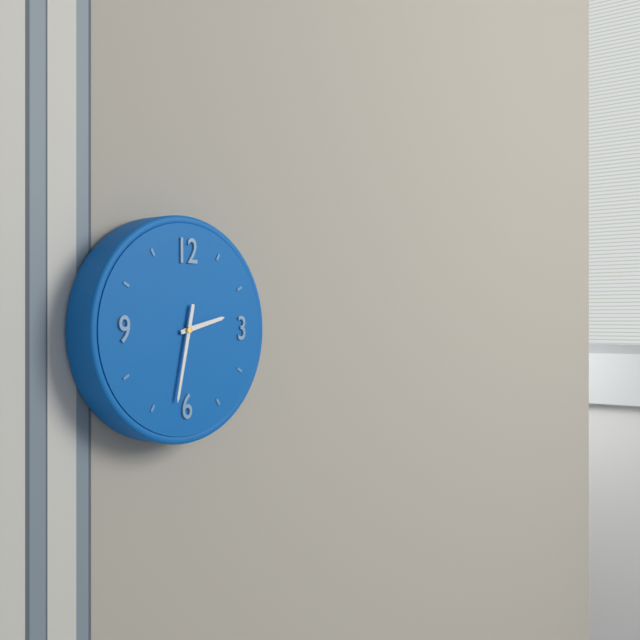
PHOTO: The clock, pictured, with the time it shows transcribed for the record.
2:32
